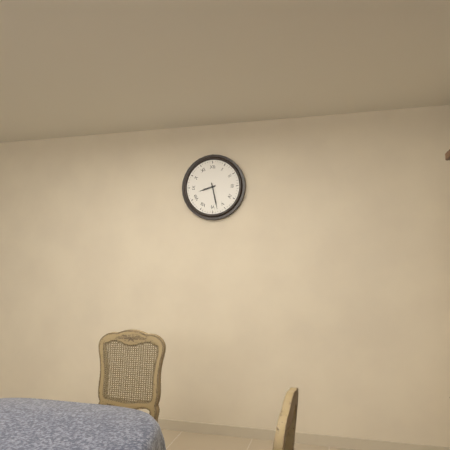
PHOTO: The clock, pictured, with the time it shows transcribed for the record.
8:28
